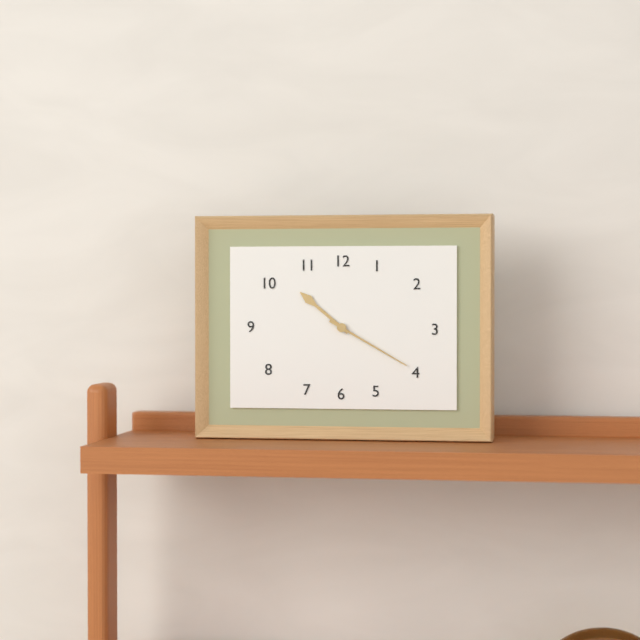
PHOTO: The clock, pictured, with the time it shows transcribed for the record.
10:20
